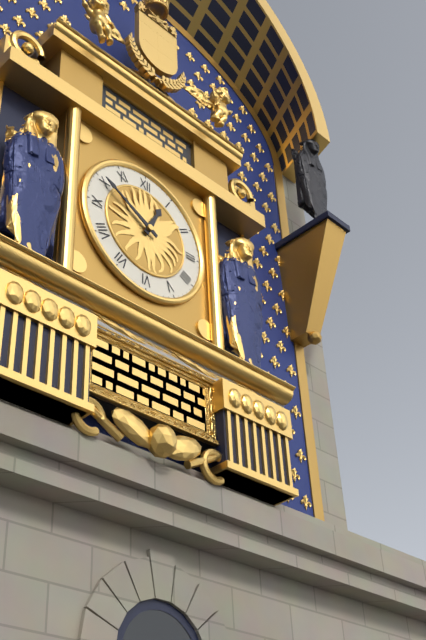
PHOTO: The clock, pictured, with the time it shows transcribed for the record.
12:50
